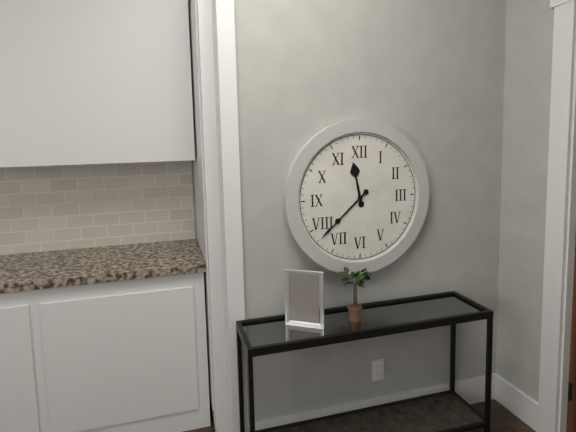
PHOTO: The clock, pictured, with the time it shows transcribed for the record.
11:38
